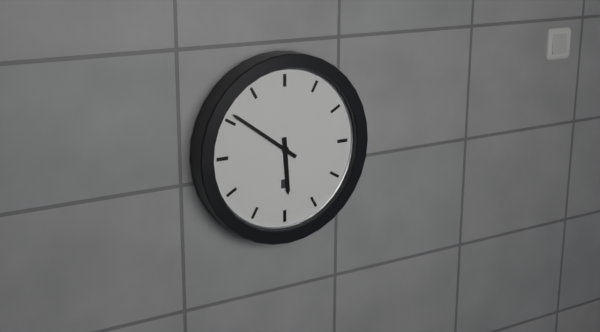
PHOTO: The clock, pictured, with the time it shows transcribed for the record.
5:51
